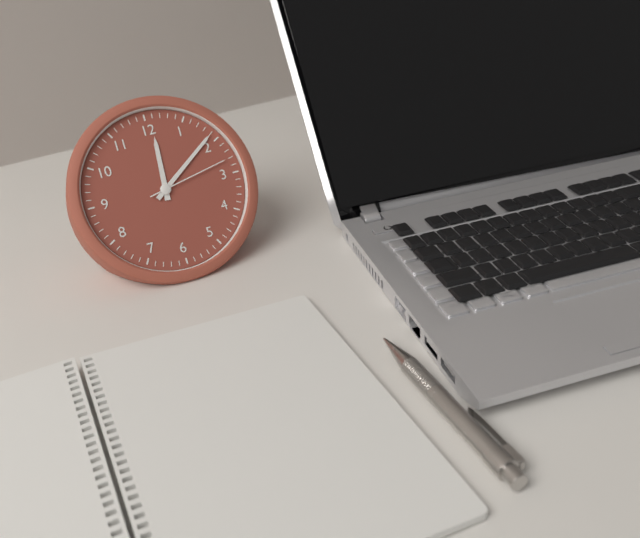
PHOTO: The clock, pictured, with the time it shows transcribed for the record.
12:09:13
